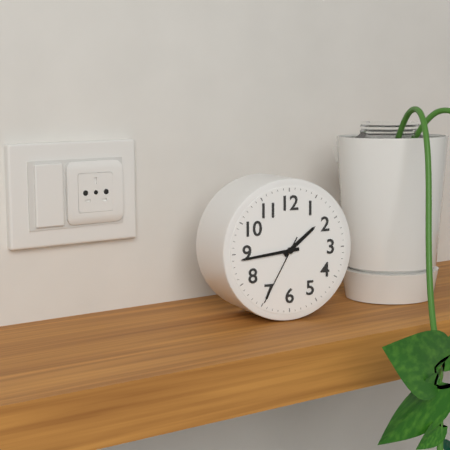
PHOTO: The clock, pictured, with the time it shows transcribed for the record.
1:44:35
